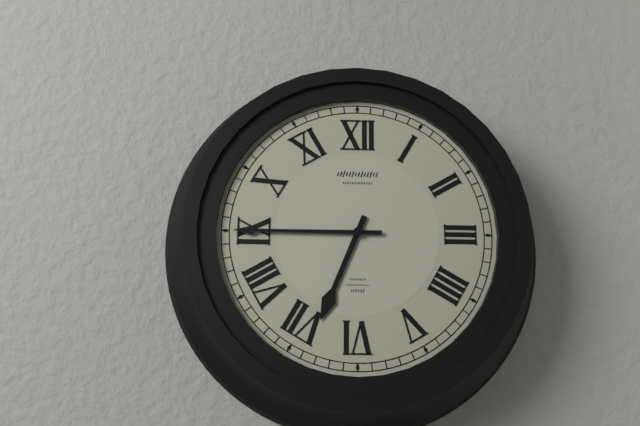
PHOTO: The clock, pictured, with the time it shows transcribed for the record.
6:45
